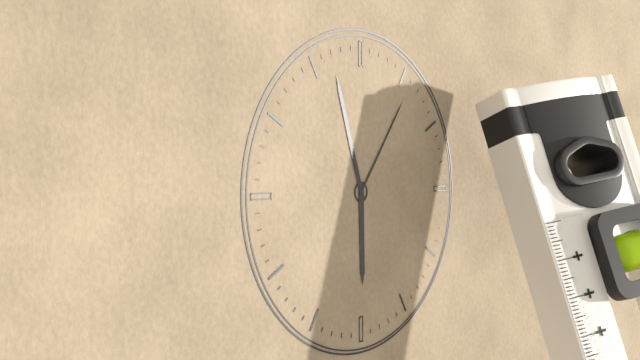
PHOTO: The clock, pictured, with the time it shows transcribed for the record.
5:57:06
